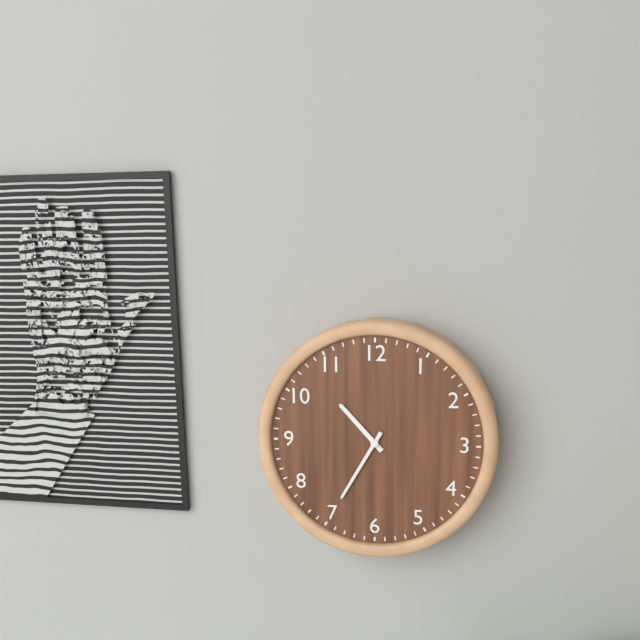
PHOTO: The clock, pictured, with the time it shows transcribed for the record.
10:35
